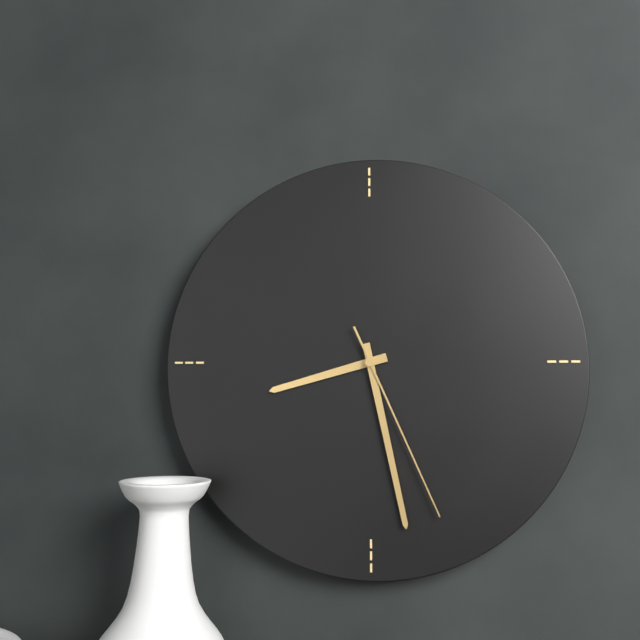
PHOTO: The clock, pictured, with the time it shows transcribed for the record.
8:28:26
